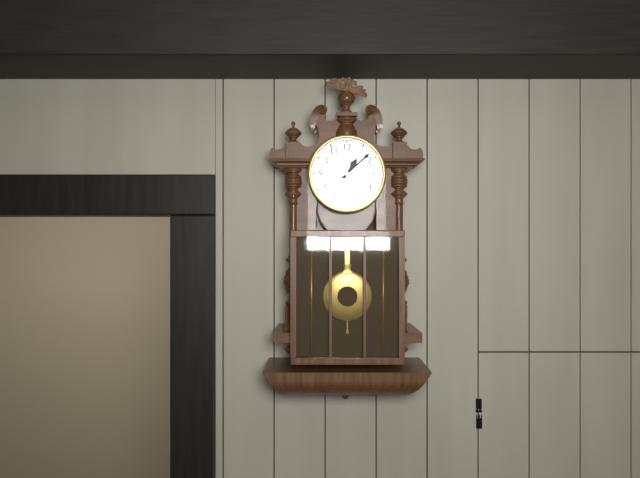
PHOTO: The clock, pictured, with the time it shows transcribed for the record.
1:08
